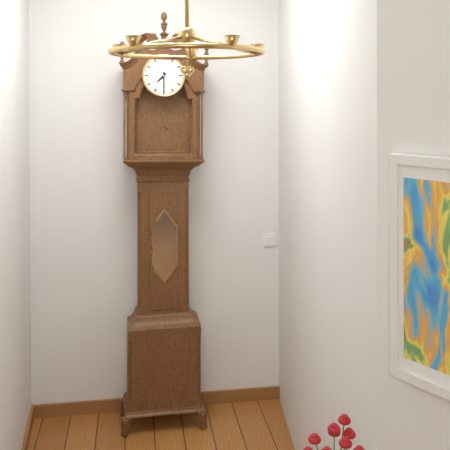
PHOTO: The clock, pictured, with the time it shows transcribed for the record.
7:30
